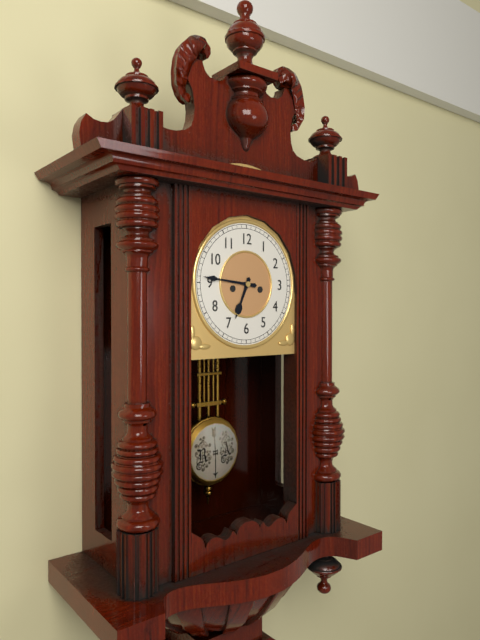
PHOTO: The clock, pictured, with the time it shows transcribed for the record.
6:46
